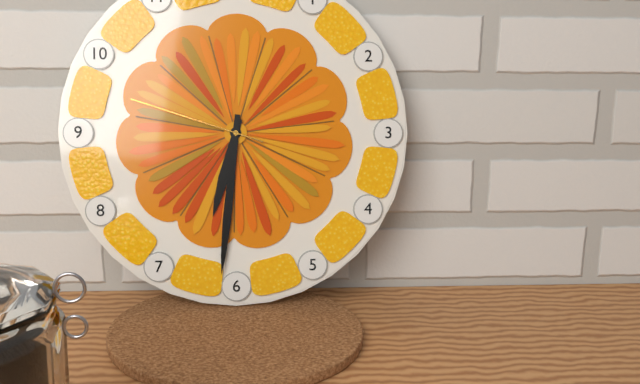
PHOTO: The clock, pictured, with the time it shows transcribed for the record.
6:31:48
